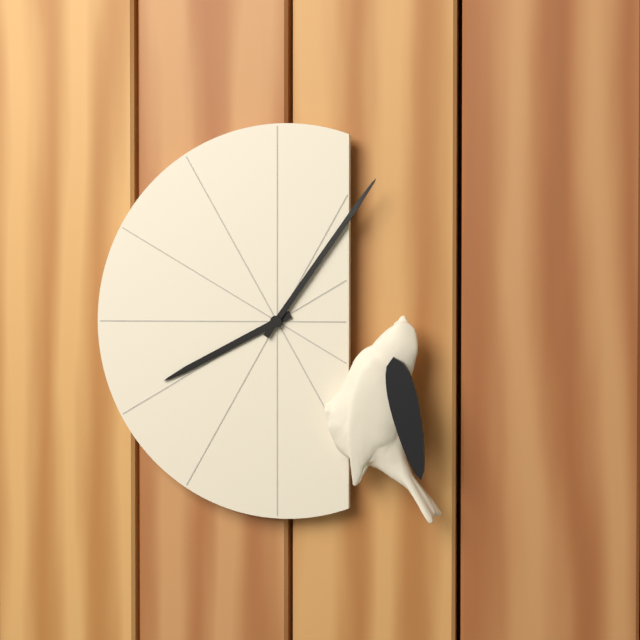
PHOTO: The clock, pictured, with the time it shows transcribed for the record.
8:06
